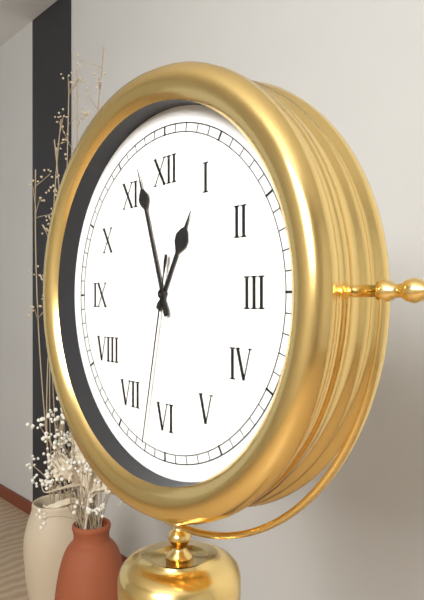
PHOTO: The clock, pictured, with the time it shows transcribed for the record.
12:57:32
